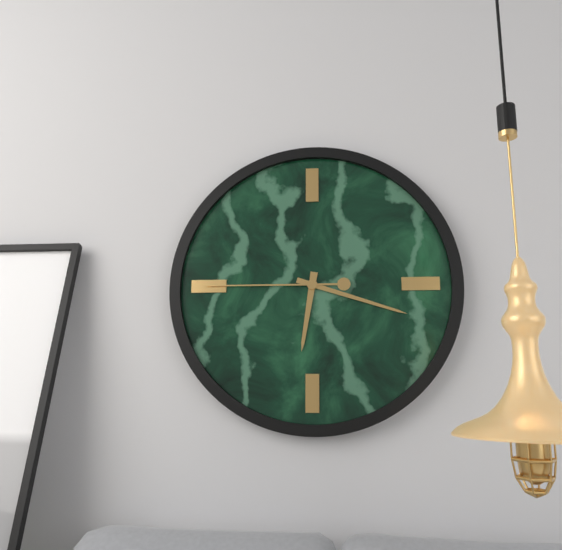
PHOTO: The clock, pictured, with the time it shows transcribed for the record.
6:18:45
